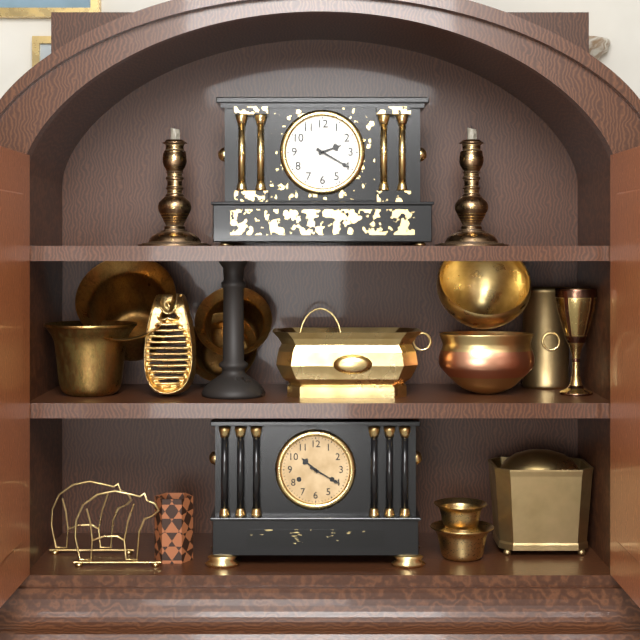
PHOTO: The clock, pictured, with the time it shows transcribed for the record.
2:20
